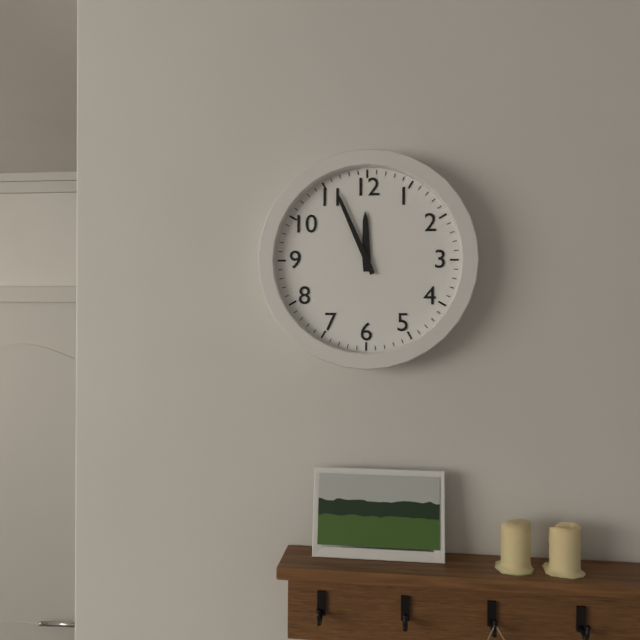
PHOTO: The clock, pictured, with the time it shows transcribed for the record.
11:56
